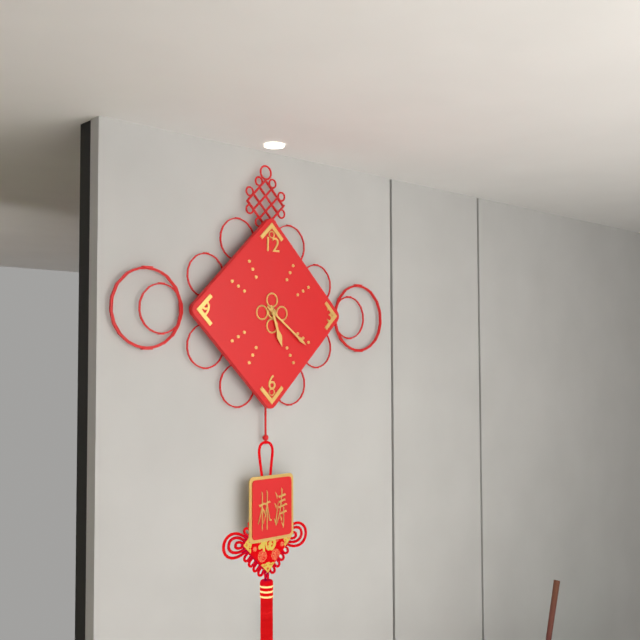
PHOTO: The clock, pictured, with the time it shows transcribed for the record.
5:21
